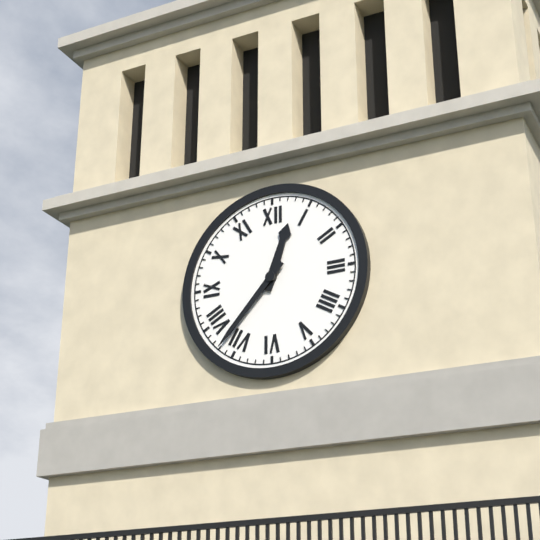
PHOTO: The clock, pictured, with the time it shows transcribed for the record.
12:37
